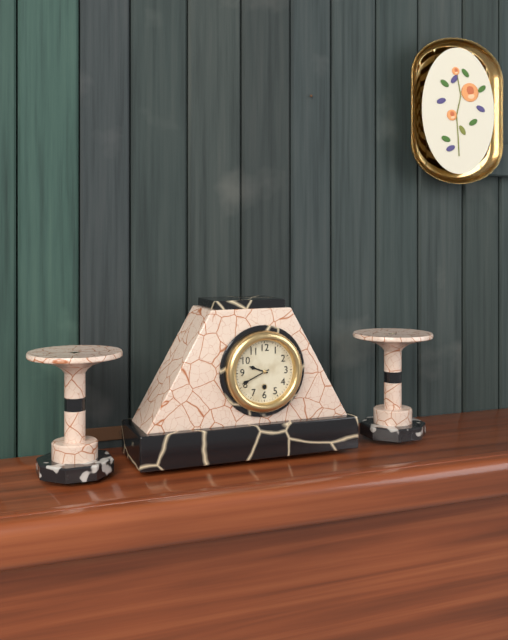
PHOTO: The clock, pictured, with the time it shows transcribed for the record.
9:41
